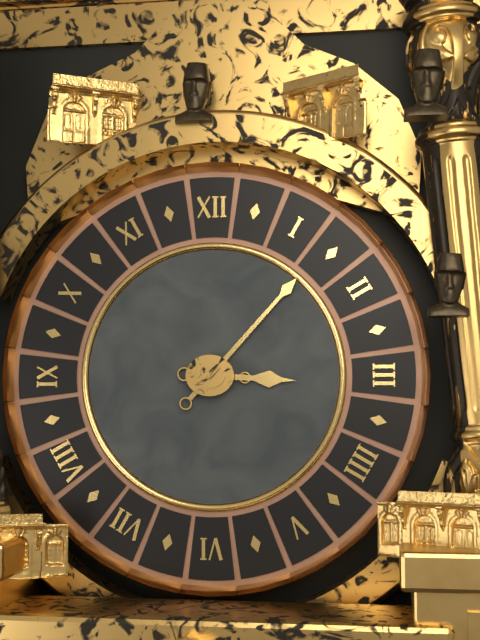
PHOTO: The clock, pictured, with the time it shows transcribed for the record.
3:07
